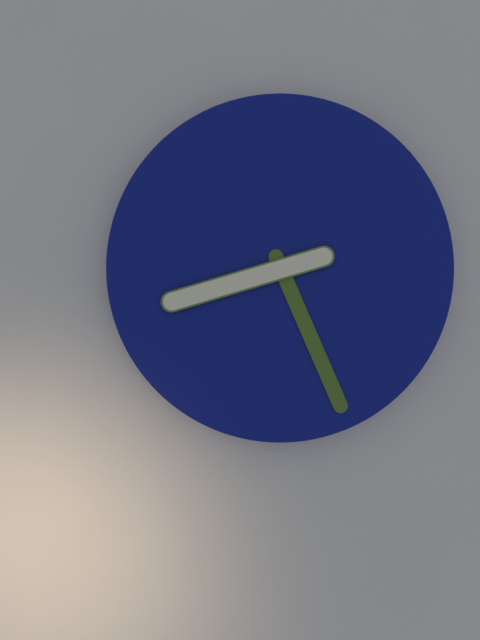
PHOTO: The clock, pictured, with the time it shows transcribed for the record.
8:26
